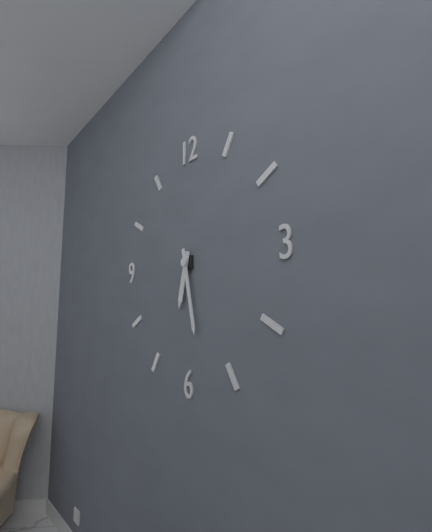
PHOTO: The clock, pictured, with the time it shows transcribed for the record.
6:28
